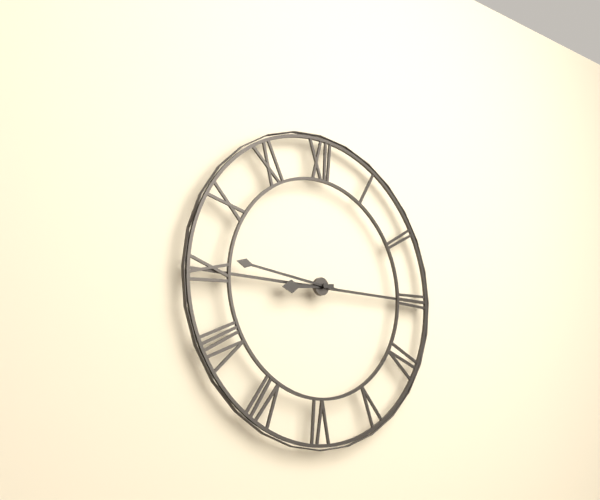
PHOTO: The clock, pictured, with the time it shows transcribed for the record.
8:46
